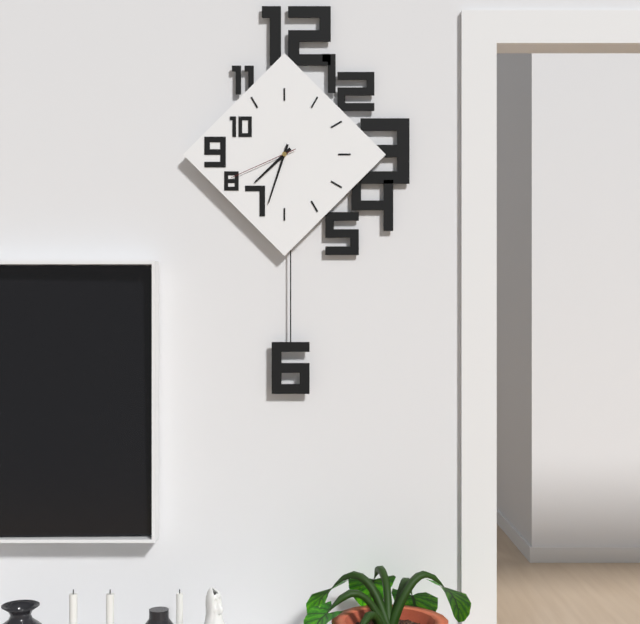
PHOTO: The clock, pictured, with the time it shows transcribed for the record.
7:33:41
